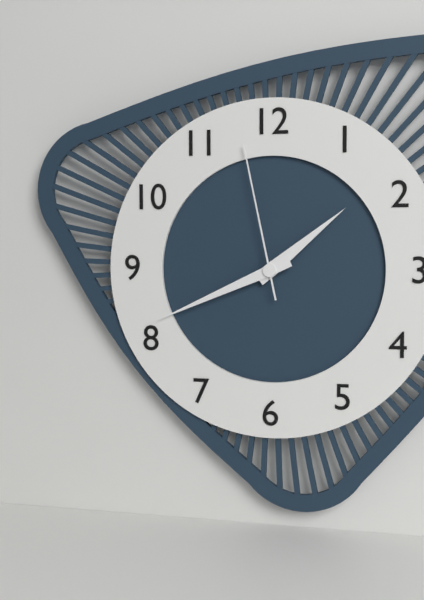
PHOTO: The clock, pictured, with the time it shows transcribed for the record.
1:41:58
